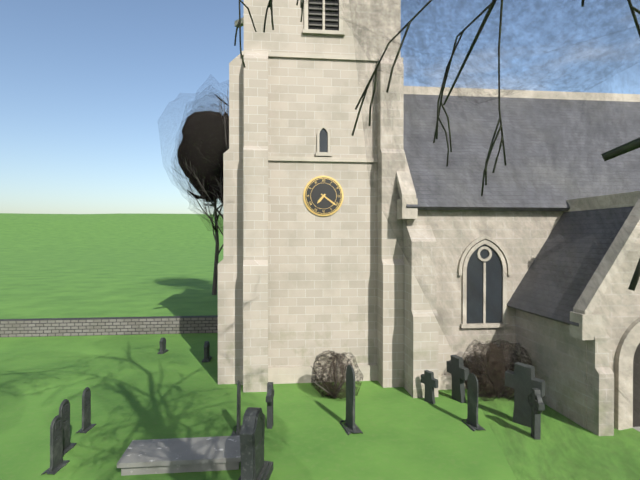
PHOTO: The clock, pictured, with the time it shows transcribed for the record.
7:21
